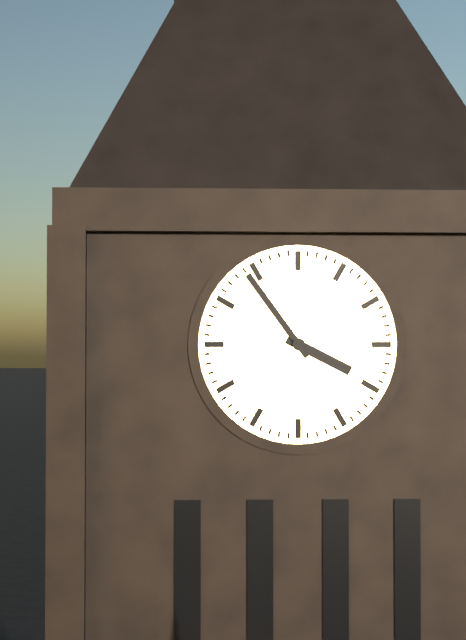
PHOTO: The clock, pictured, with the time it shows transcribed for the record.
3:54
